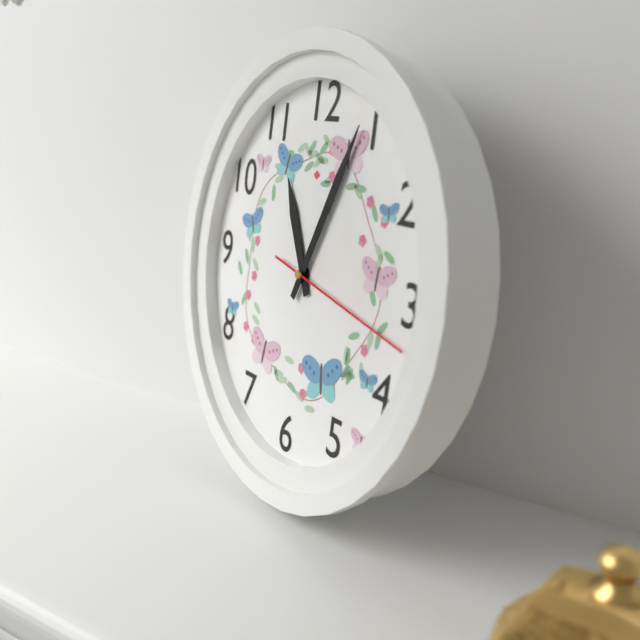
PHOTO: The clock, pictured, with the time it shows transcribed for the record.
11:04:17
